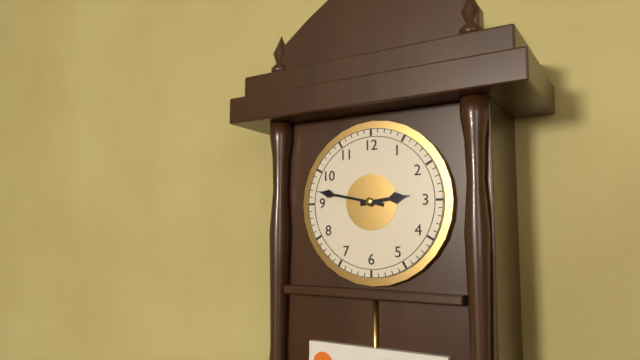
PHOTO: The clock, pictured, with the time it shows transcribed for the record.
2:47
